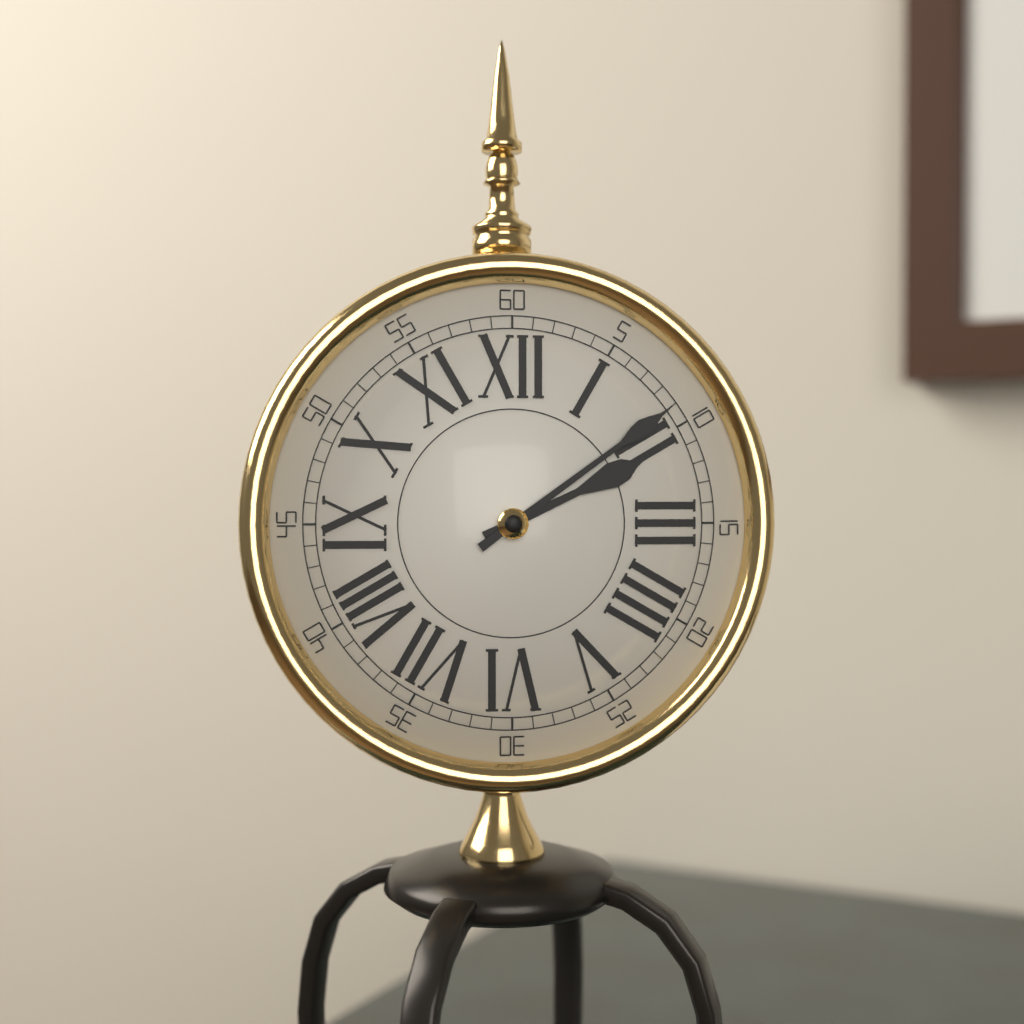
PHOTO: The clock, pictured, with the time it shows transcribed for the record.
2:09
